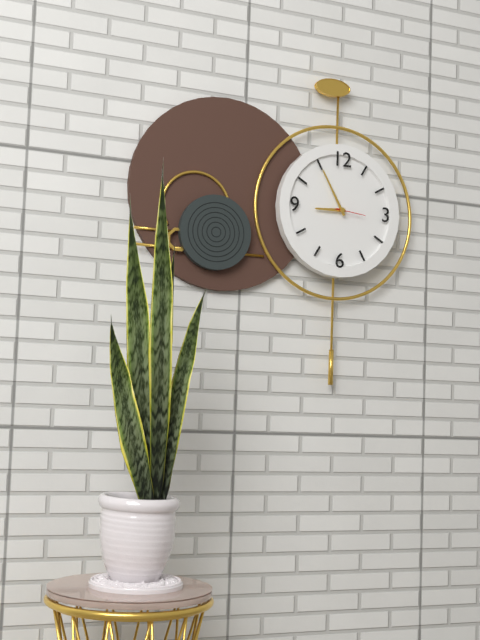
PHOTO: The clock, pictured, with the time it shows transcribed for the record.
8:55
